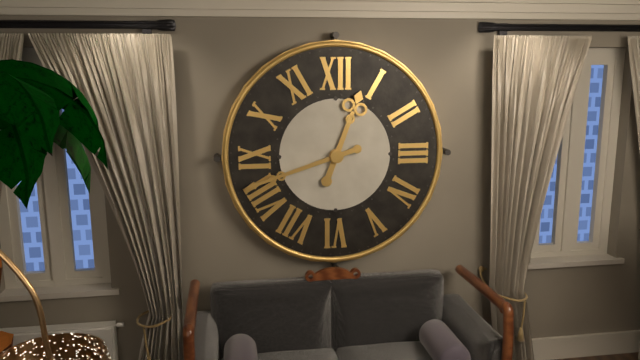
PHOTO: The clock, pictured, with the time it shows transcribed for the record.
12:42
